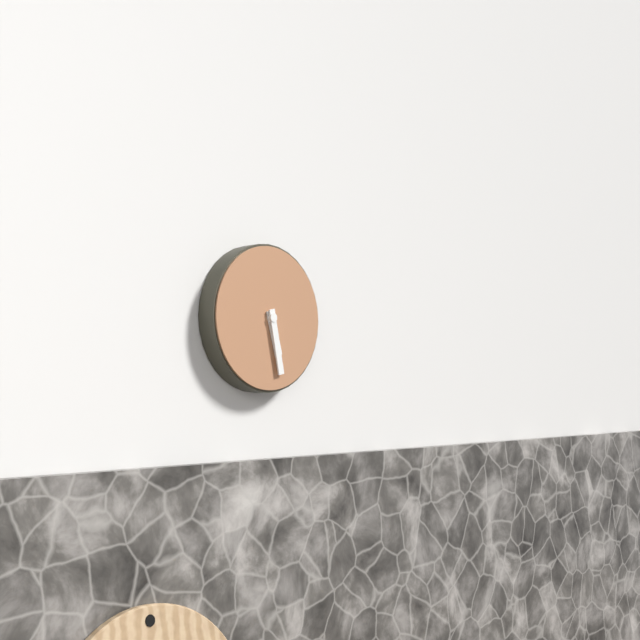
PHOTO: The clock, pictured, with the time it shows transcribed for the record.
5:28
